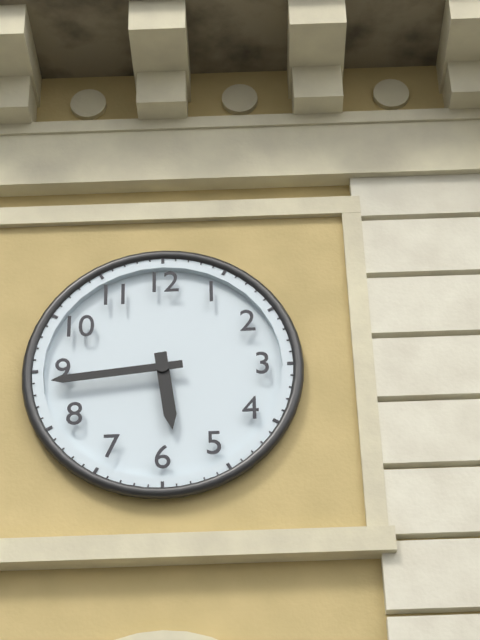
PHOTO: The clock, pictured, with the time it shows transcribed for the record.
5:44
